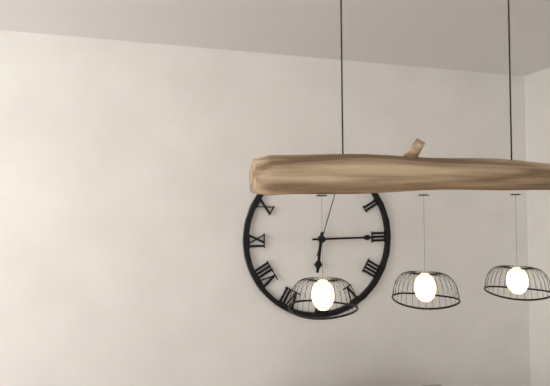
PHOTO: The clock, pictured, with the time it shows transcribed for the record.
6:15:03
